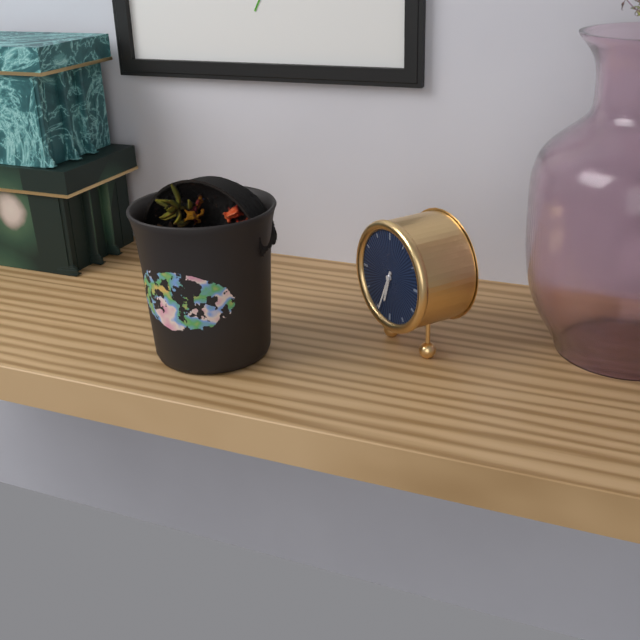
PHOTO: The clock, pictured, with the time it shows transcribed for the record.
6:34
